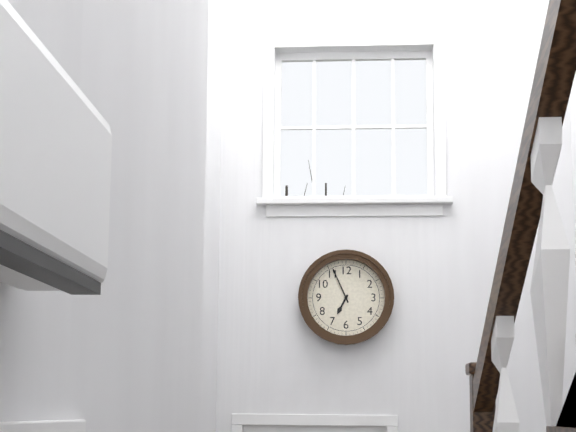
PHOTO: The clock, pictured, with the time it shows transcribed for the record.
6:56
